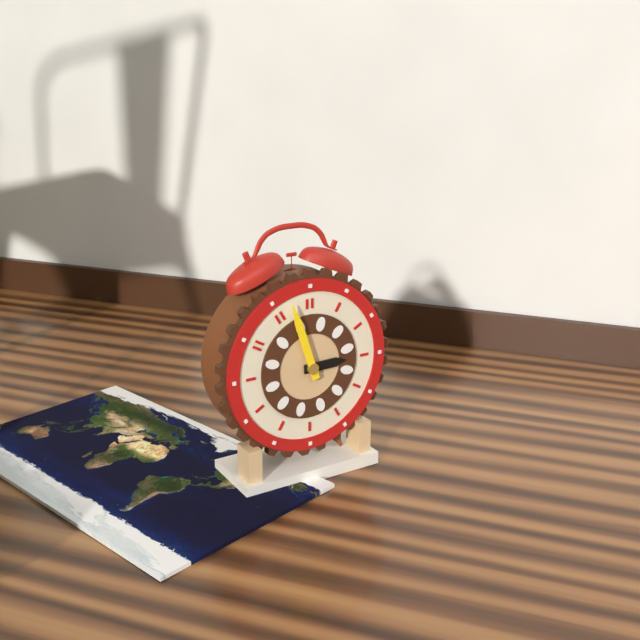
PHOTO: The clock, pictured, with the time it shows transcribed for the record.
2:57
